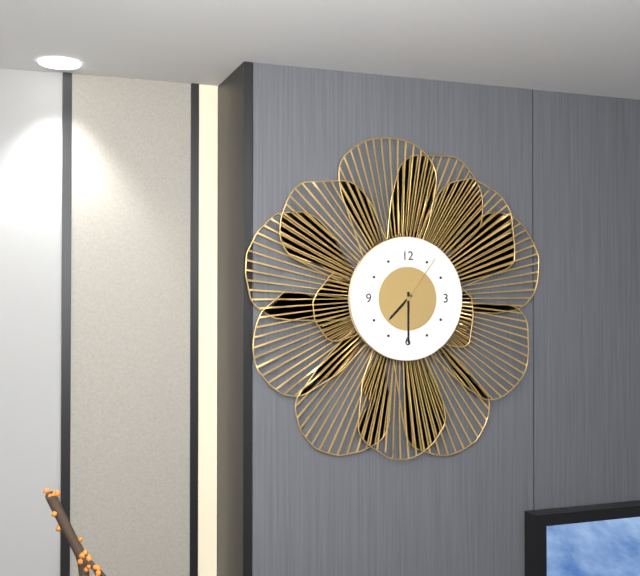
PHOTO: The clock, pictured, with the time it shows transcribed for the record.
7:30:06
